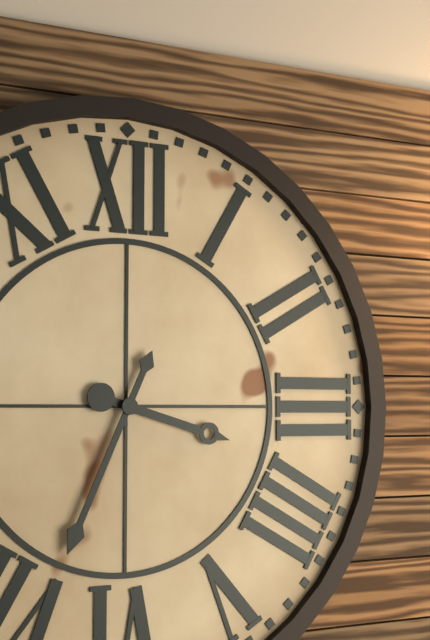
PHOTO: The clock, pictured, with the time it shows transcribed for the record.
3:34
